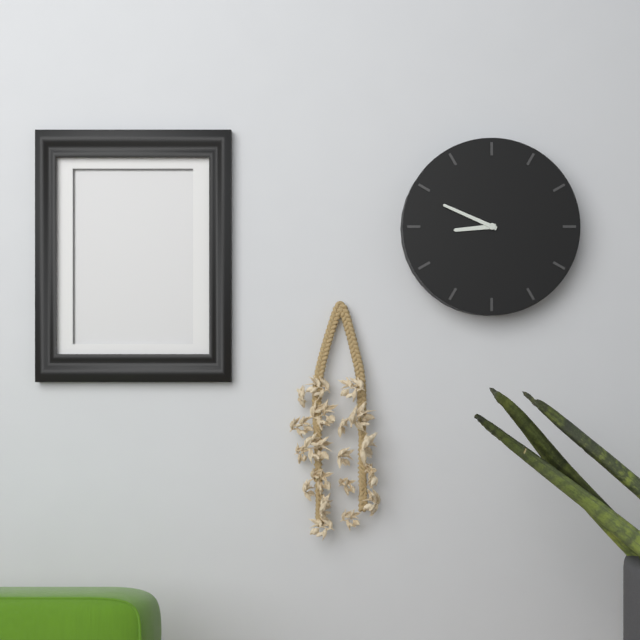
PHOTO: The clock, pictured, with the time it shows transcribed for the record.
8:49
